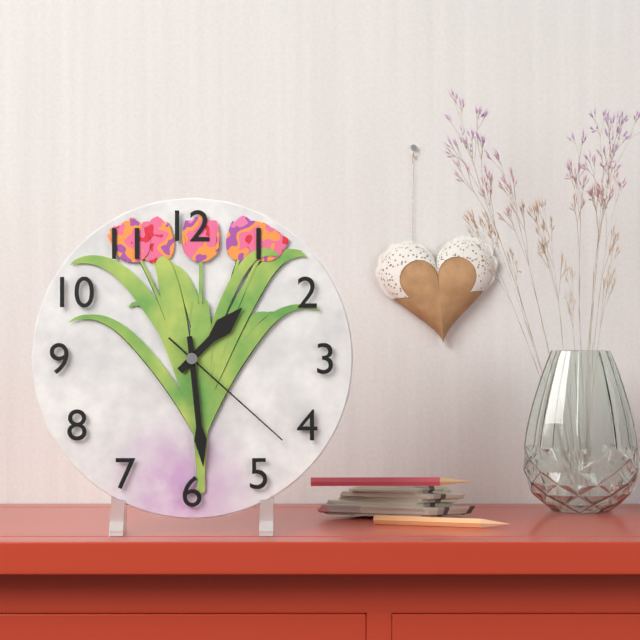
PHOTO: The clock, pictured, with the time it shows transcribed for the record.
1:29:22
